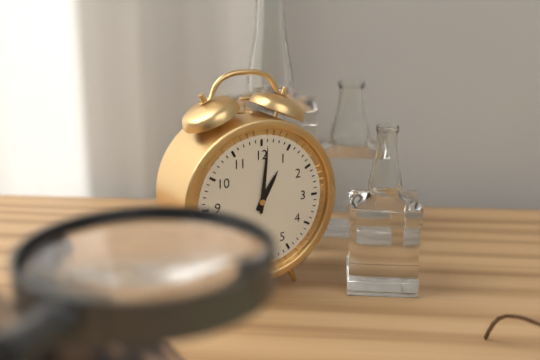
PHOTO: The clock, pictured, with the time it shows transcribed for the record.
1:01
